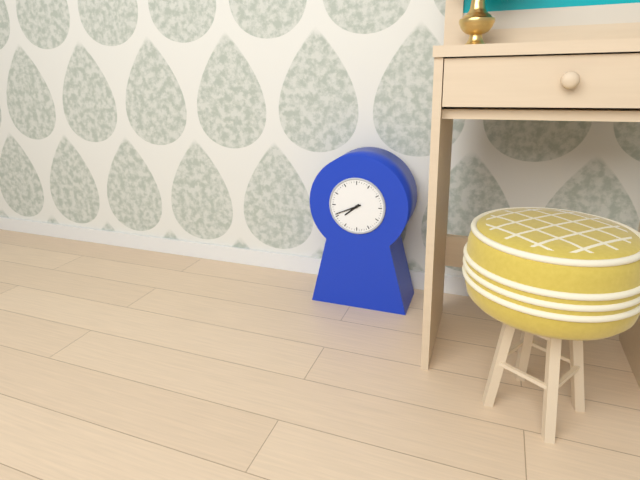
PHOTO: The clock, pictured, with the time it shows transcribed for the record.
7:41
